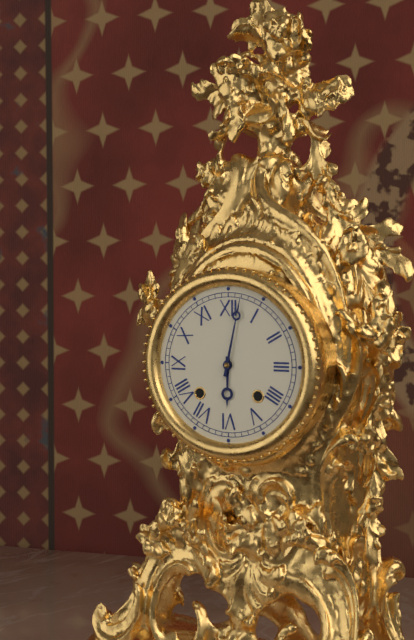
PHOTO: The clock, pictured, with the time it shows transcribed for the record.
6:02
